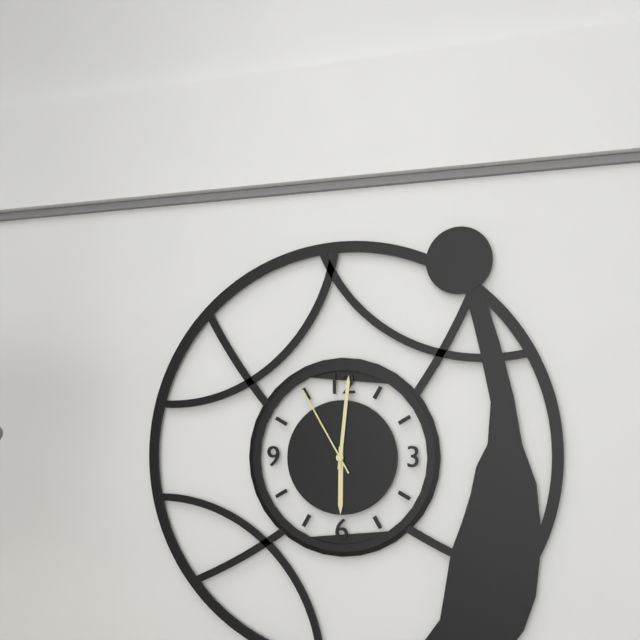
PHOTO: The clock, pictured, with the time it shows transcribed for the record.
6:01:55
